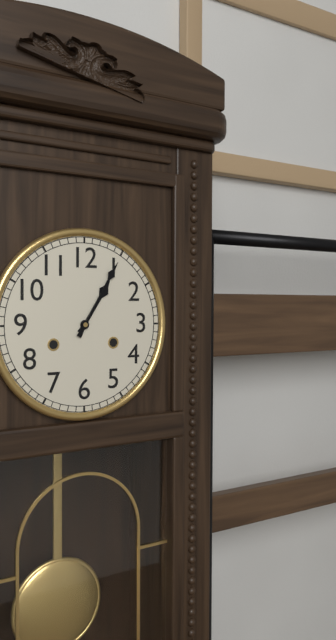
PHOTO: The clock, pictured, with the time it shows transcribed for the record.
1:05
